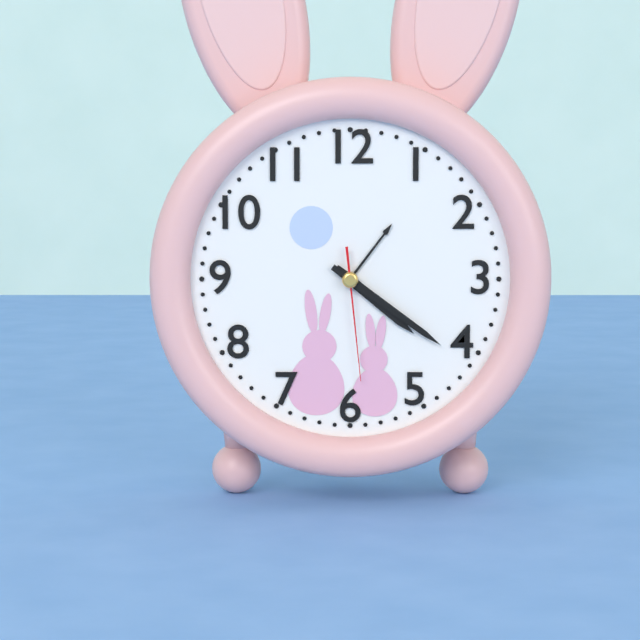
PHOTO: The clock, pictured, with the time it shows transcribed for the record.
4:21:29
